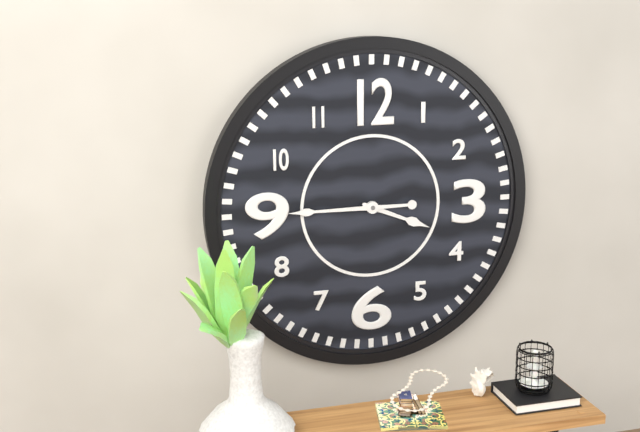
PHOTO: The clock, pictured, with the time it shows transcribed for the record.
3:45
